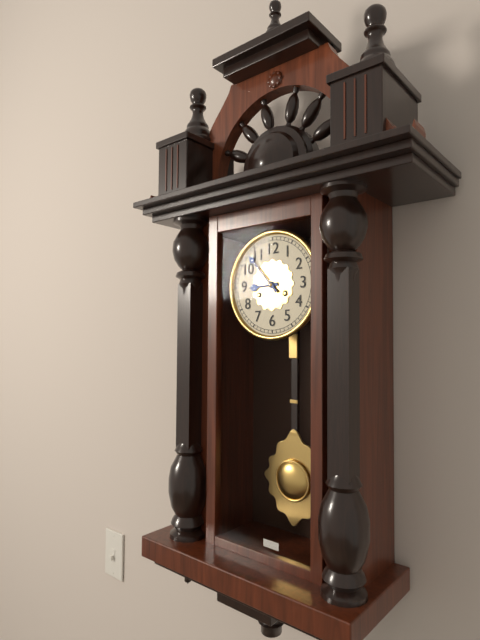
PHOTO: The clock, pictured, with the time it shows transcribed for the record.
8:53
